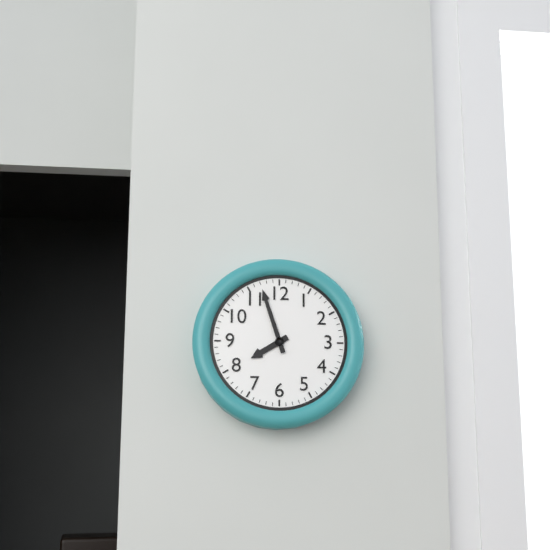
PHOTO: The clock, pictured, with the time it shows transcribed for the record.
7:57
